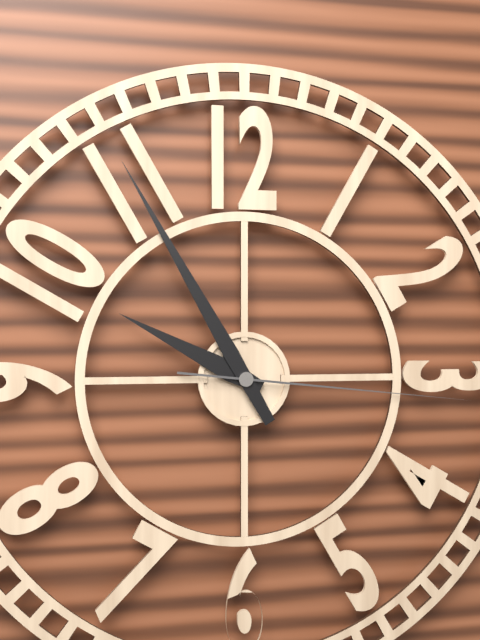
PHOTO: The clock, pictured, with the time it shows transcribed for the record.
9:55:16
